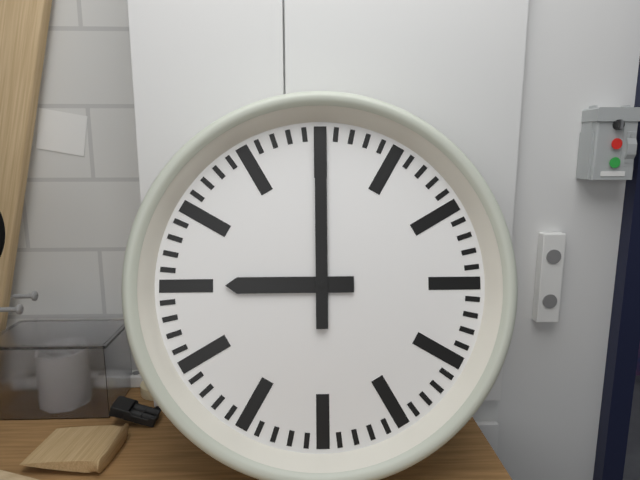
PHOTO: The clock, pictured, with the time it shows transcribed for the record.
9:00
